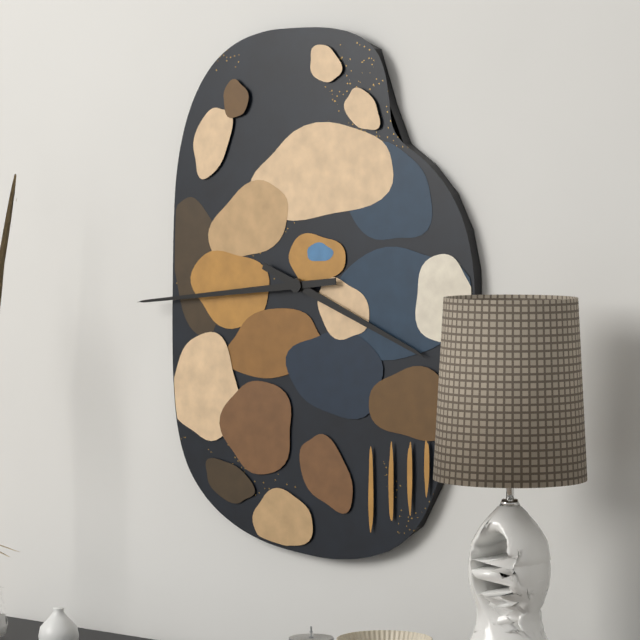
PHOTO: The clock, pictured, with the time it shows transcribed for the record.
3:44
